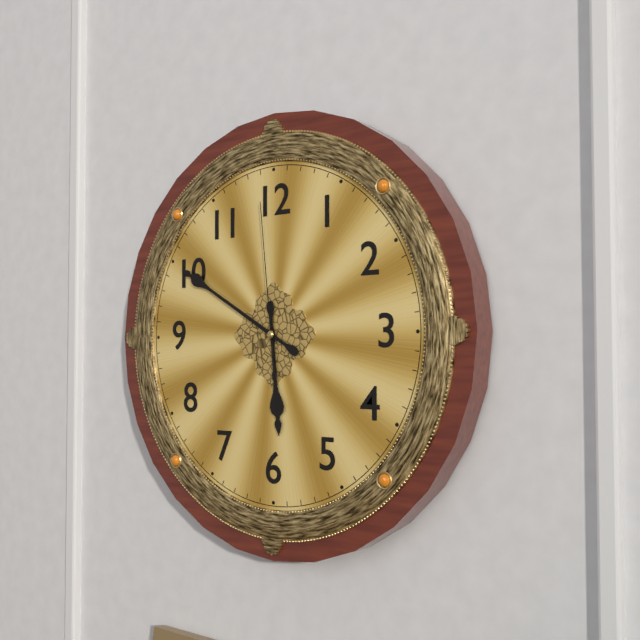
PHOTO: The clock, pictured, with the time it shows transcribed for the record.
5:50:59
